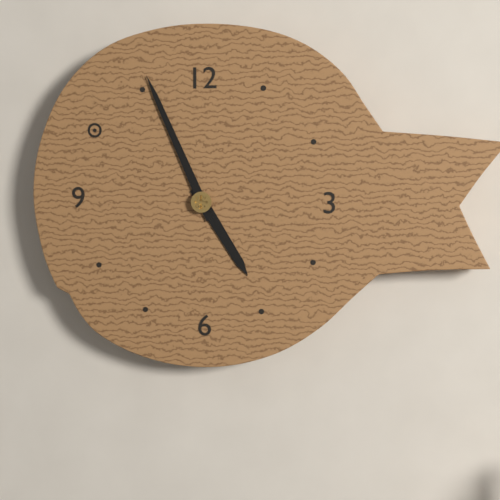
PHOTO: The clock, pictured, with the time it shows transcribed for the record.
4:56
